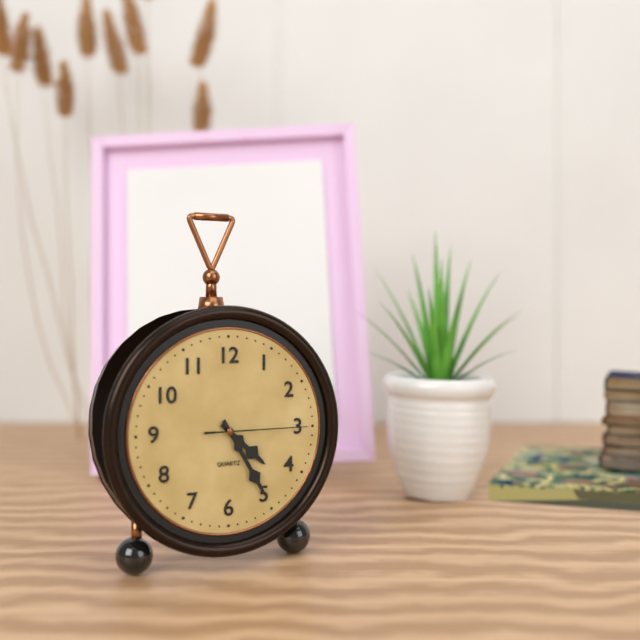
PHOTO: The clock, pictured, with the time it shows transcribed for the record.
4:25:15
